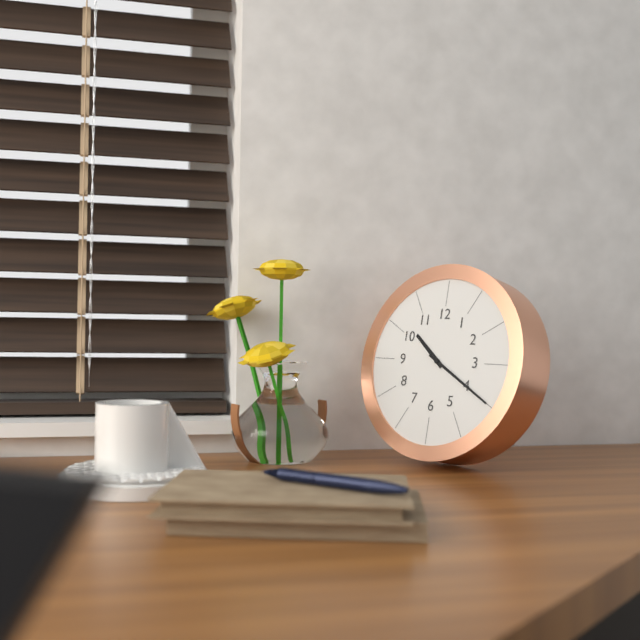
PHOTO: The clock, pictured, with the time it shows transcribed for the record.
10:20
